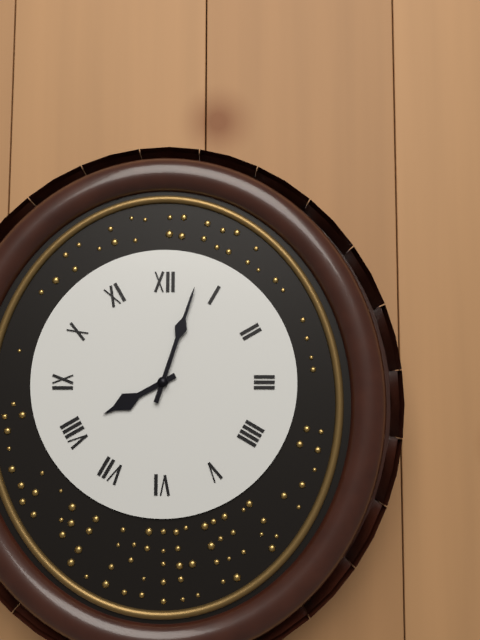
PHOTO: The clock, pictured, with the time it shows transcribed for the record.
8:03
